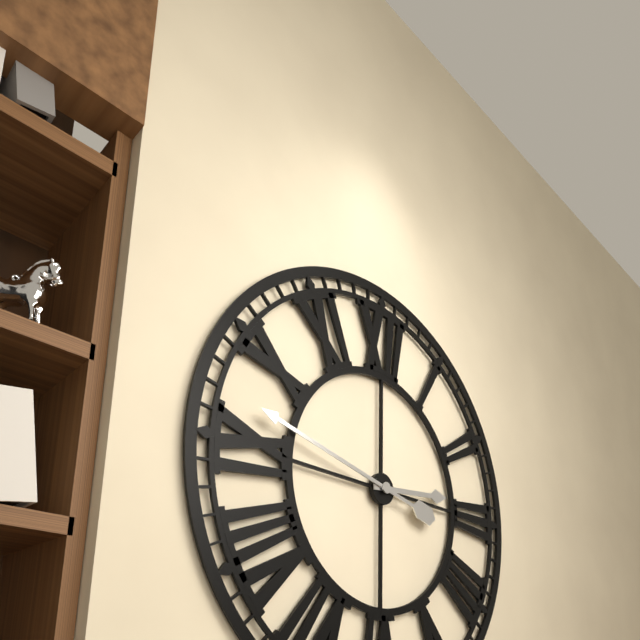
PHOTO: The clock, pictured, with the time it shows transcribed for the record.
2:47
